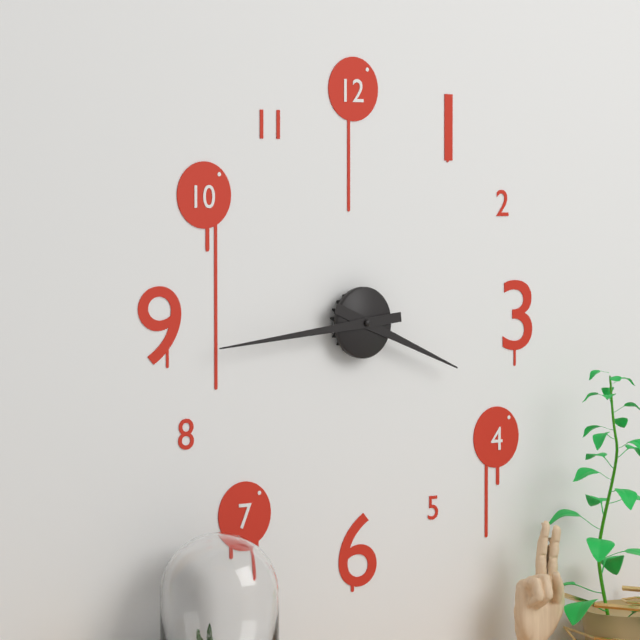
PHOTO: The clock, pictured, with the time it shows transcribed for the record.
3:44
